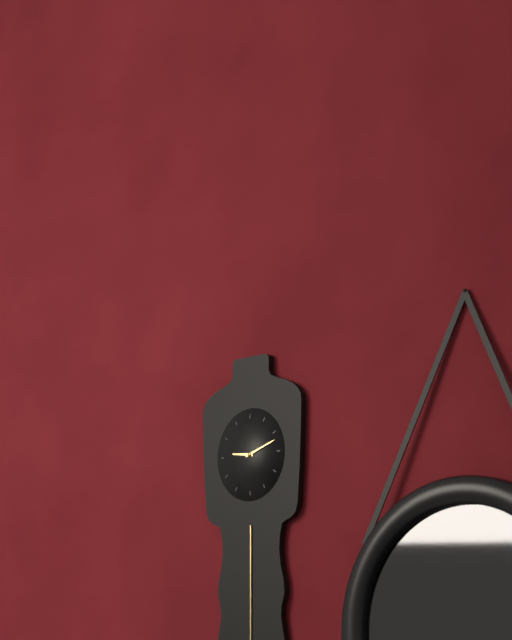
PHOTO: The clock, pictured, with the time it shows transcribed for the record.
9:12
